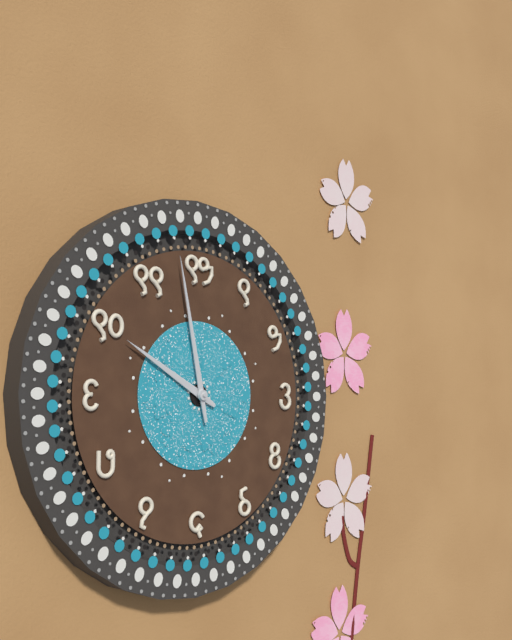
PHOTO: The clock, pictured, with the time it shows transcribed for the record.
9:58
